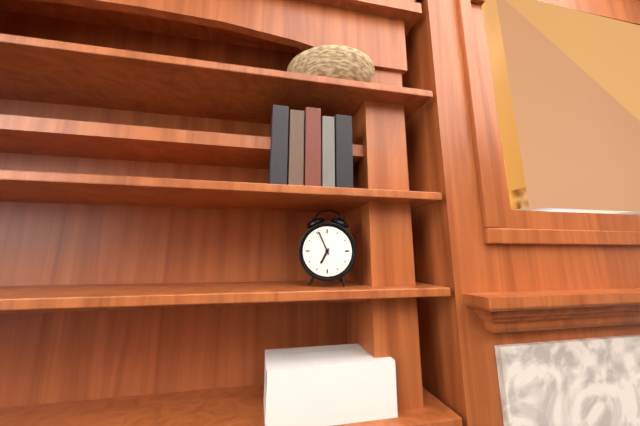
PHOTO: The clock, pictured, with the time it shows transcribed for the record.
6:56
